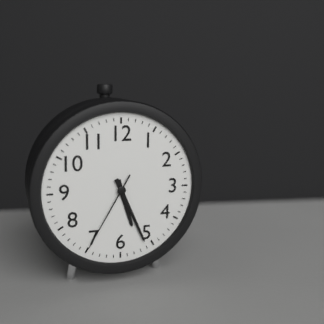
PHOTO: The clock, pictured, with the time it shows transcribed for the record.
5:26:35
